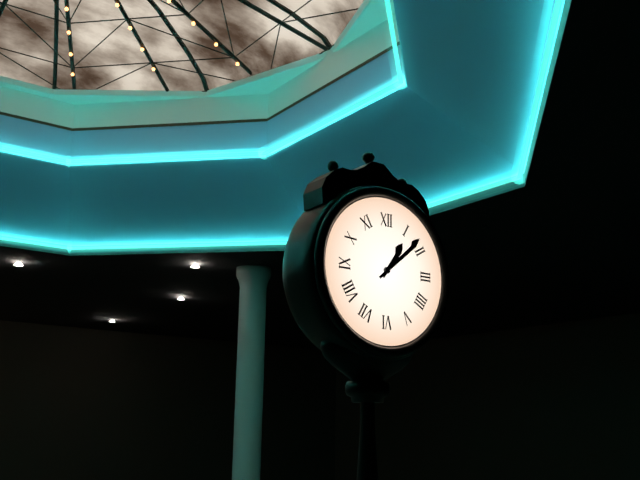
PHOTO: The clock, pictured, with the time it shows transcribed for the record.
1:08
